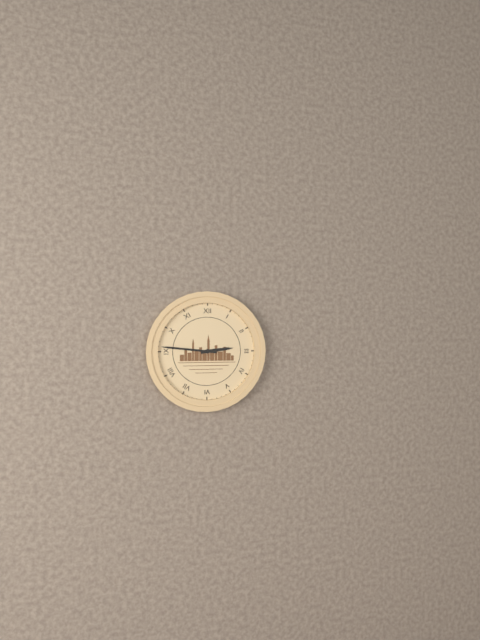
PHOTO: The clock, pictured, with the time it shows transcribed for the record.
2:46
